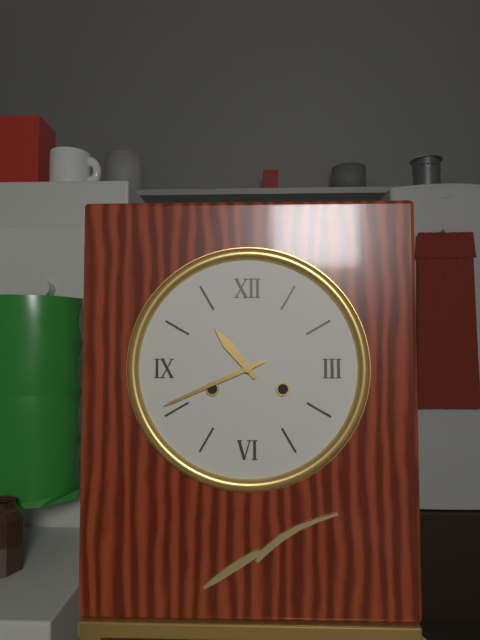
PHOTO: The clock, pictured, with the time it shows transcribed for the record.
10:41
